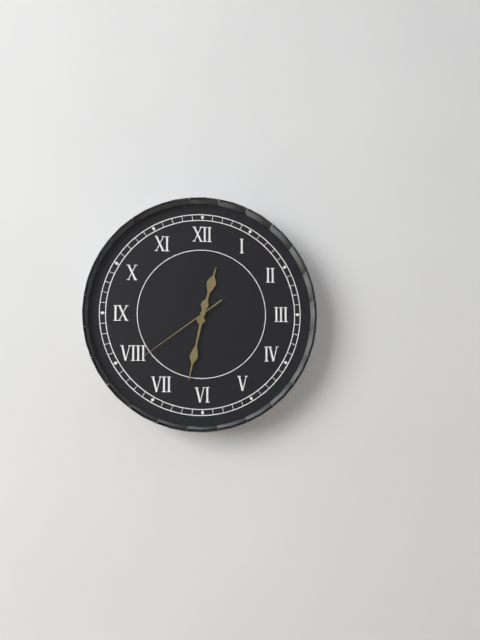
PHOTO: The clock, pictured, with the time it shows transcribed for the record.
12:32:39
